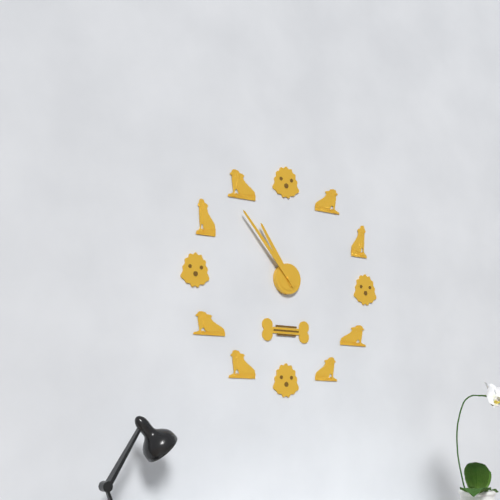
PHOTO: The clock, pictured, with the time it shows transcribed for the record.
10:53
